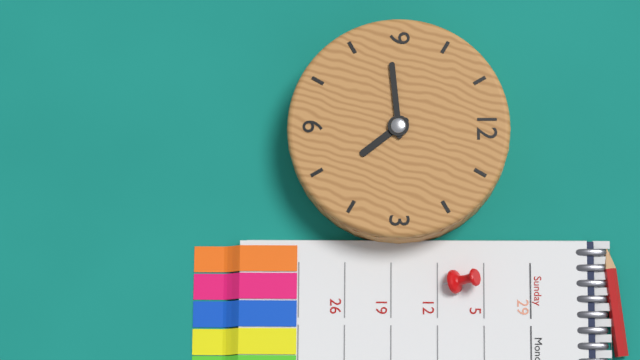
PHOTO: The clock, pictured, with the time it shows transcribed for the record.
4:44
